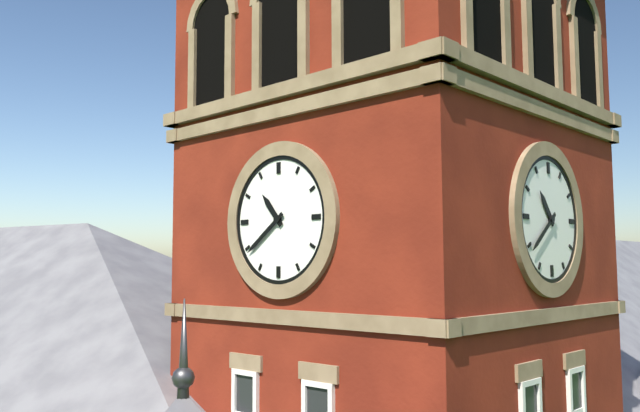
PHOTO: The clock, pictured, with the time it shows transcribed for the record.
10:39
